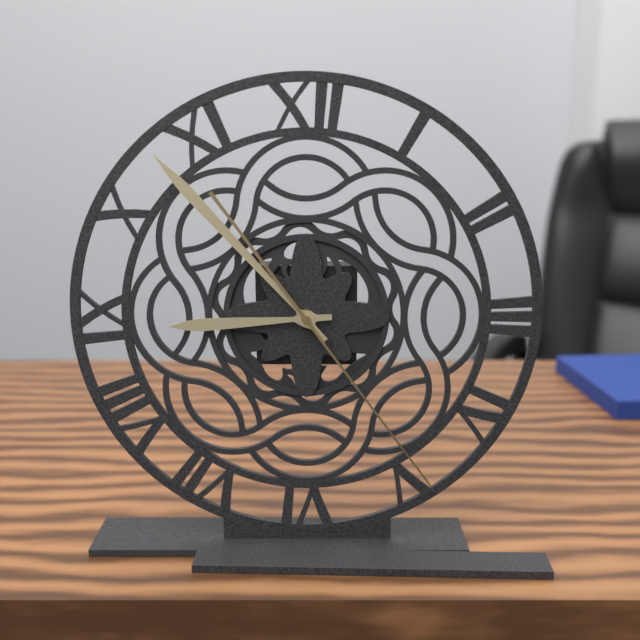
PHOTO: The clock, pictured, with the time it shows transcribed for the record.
8:53:24
